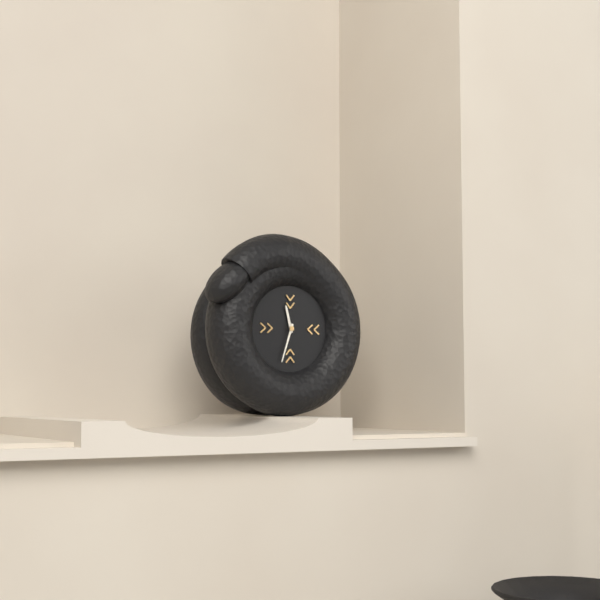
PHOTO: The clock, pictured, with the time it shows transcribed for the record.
11:33
